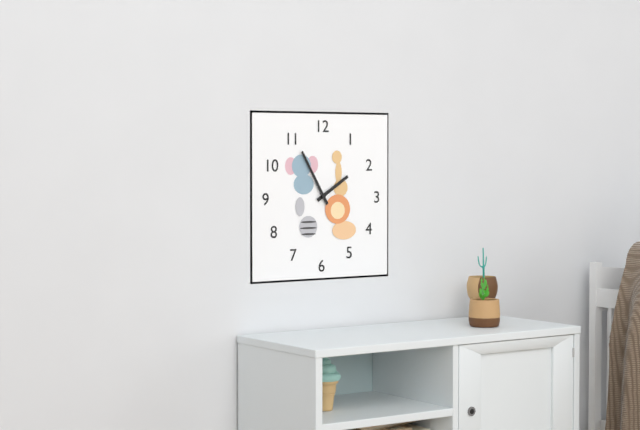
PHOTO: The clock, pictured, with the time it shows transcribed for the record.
1:55
